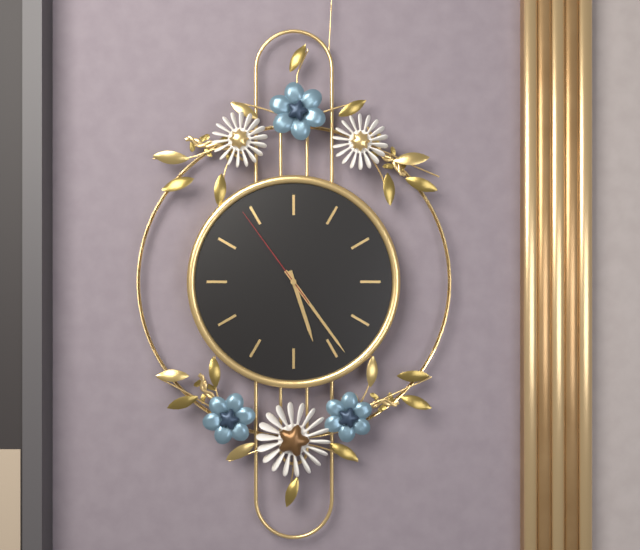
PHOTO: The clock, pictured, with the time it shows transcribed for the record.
5:24:54
